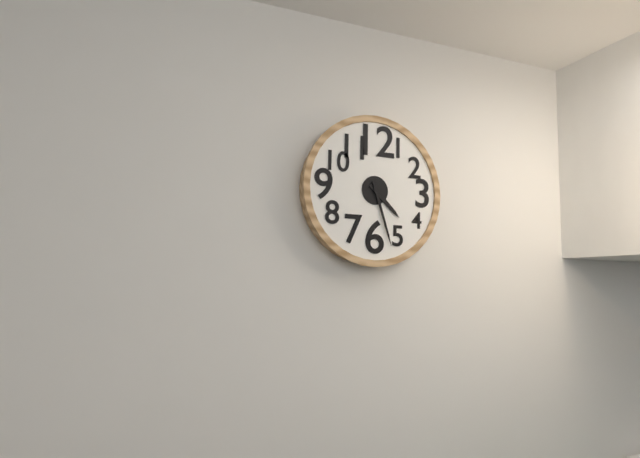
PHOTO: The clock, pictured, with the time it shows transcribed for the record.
4:27
